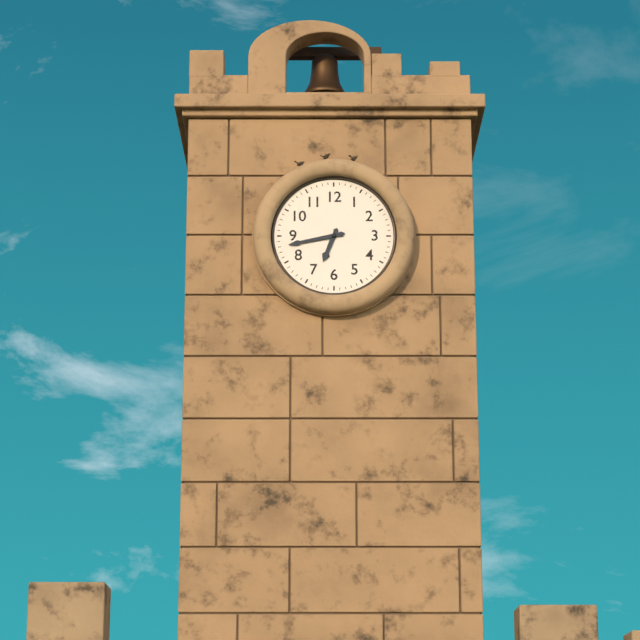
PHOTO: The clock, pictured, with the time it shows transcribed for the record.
6:43
